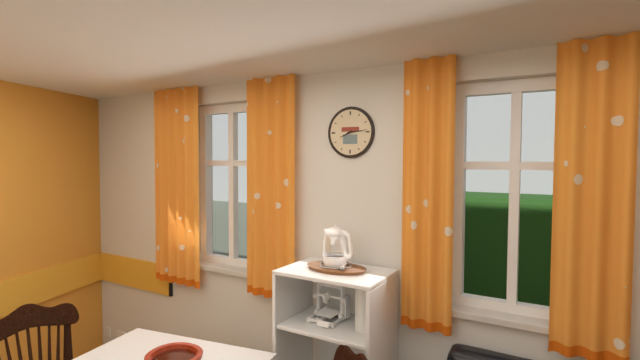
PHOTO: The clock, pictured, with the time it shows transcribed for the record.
8:14
